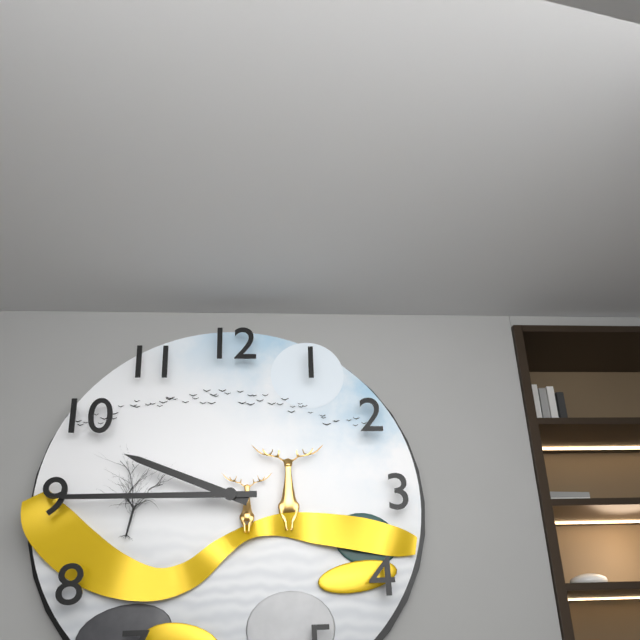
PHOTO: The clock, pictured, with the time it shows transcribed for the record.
9:45
